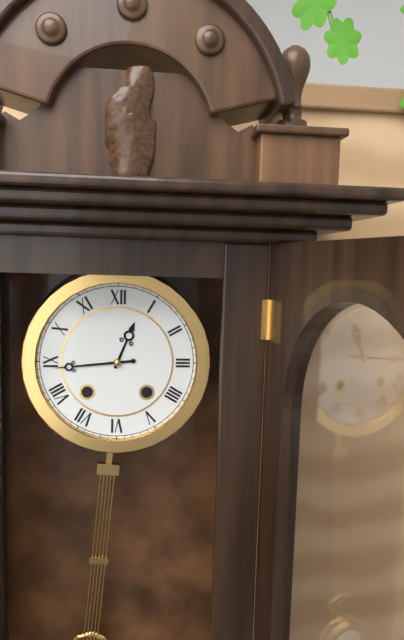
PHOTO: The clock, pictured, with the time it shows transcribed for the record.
12:44
